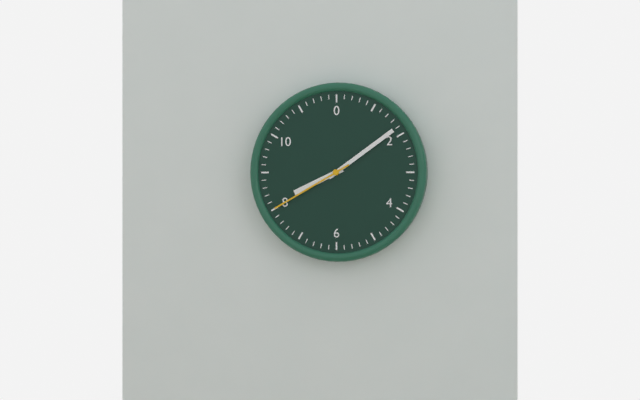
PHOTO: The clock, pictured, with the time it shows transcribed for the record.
8:09:40
